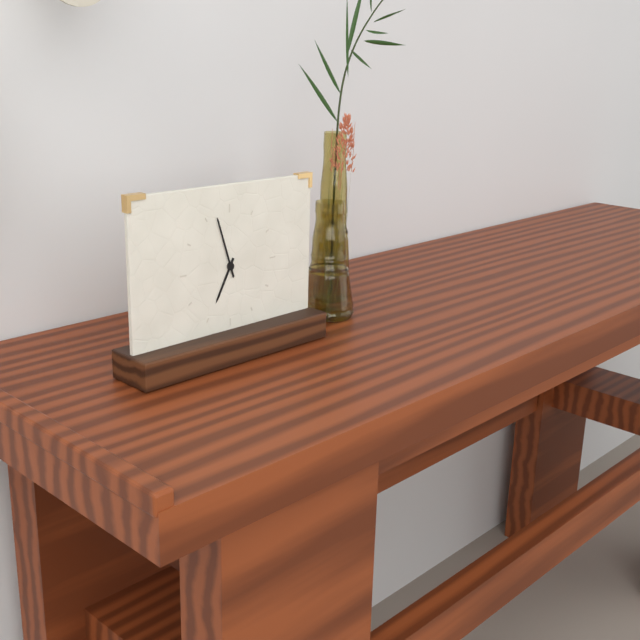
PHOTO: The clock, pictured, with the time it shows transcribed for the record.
6:57
